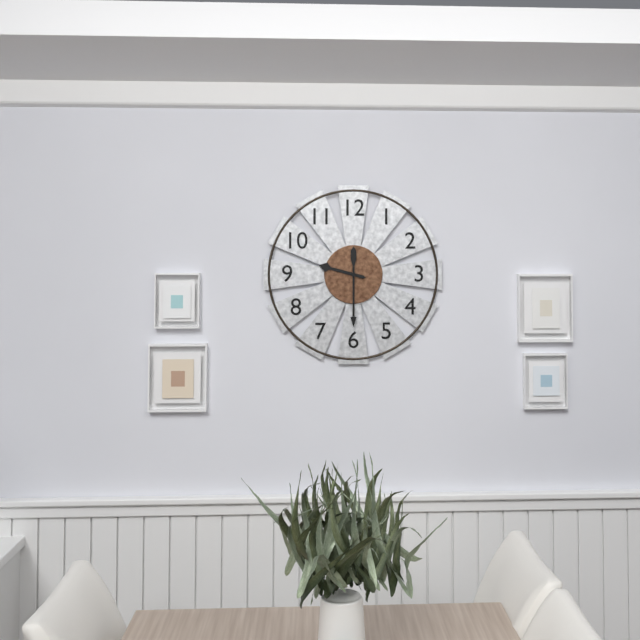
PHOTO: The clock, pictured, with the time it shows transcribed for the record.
9:30
